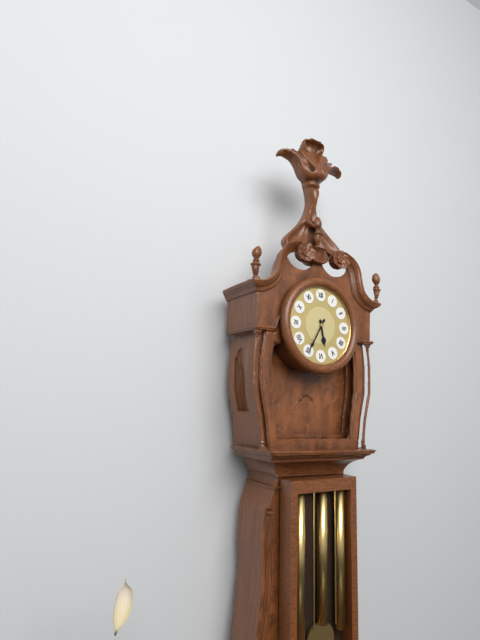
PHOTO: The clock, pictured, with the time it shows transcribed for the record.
5:35
